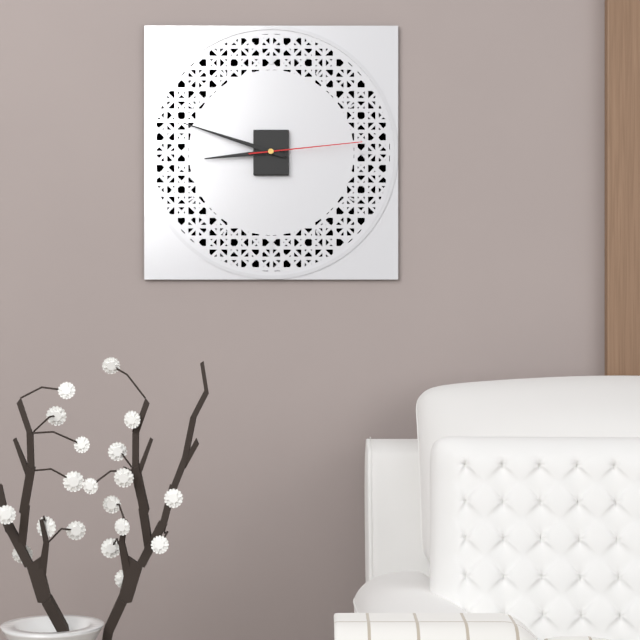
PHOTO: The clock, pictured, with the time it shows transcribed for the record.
8:48:14
